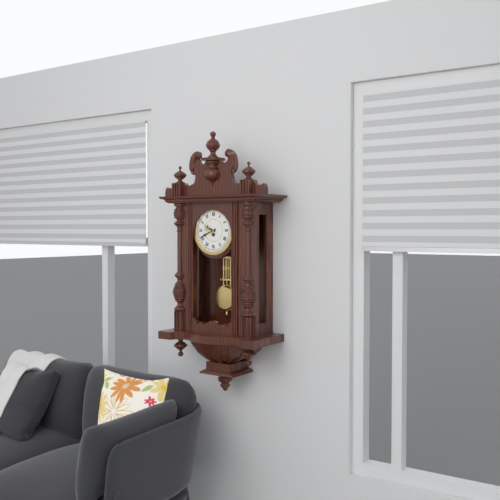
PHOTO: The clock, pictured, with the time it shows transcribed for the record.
9:41
